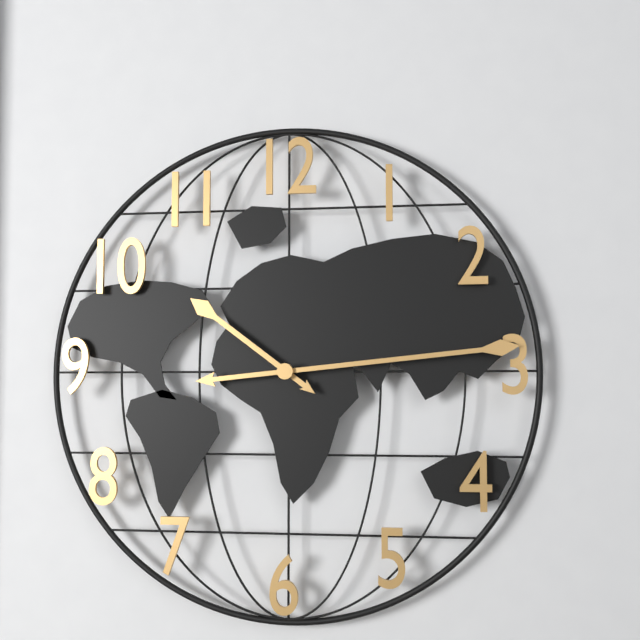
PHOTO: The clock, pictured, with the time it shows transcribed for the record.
10:14
